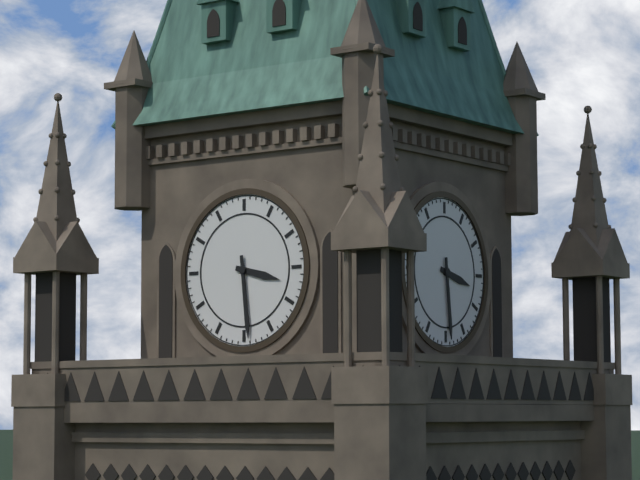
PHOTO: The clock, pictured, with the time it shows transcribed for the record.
3:29
